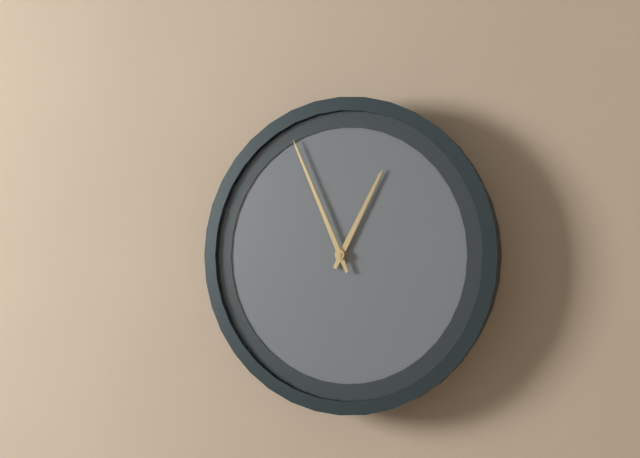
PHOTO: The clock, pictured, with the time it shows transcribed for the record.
12:56
